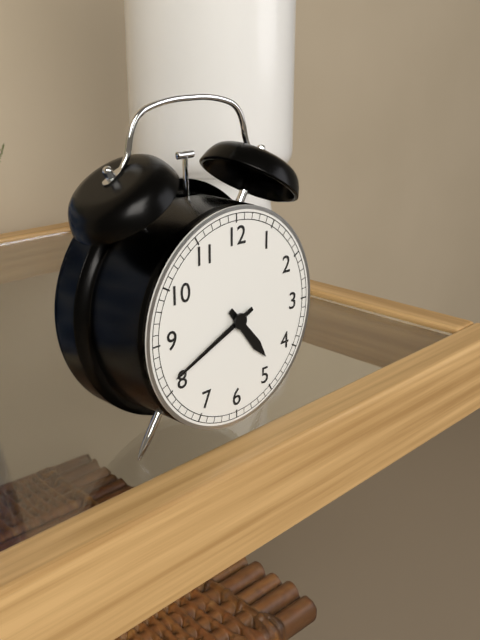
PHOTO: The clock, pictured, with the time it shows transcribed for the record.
4:41
